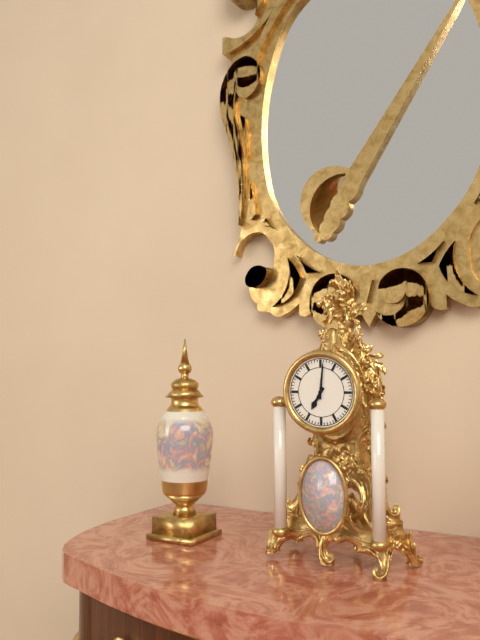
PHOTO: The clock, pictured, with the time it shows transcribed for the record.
7:01
